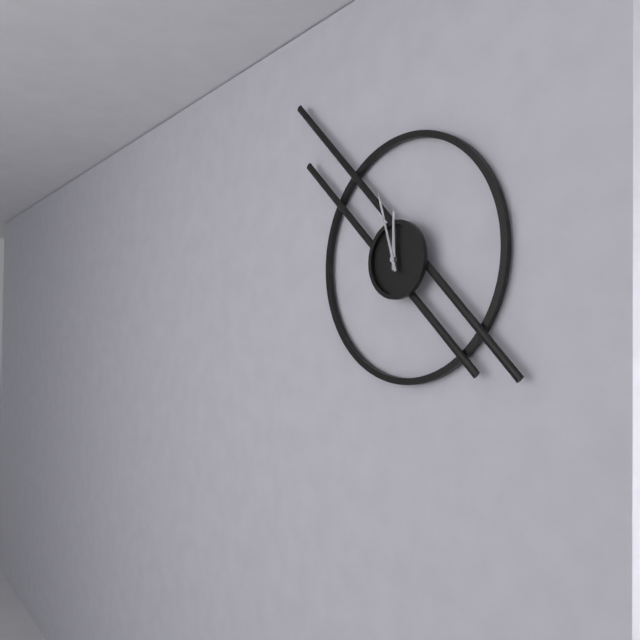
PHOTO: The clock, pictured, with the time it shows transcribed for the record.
11:57
